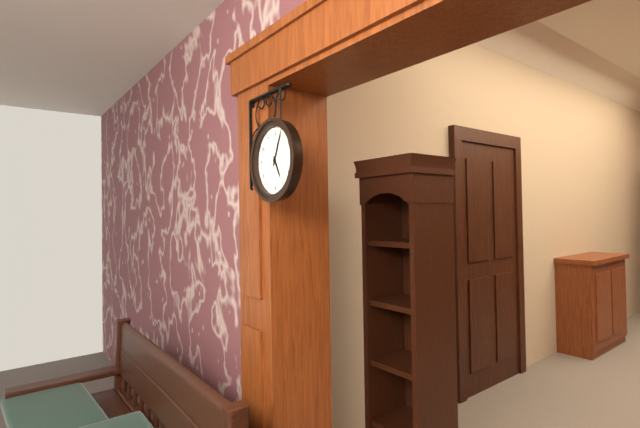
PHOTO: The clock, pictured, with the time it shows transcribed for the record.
5:04
